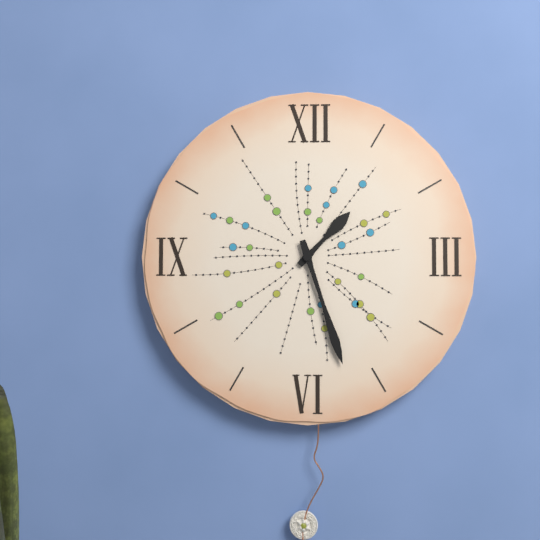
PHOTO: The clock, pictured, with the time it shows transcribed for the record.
1:27
